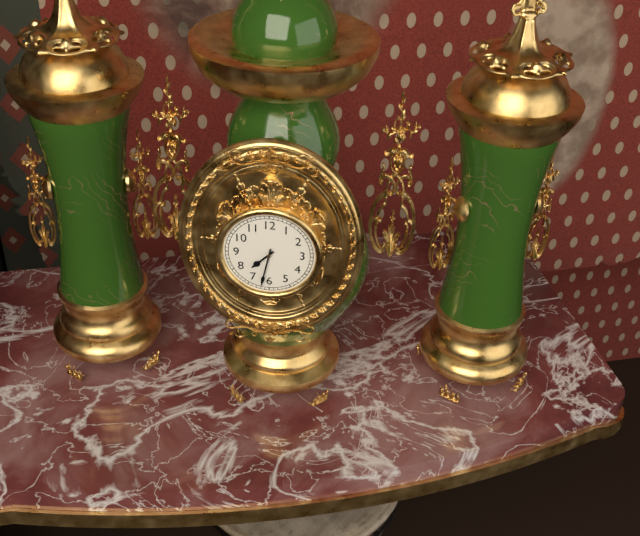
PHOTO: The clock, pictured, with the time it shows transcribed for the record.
7:32
